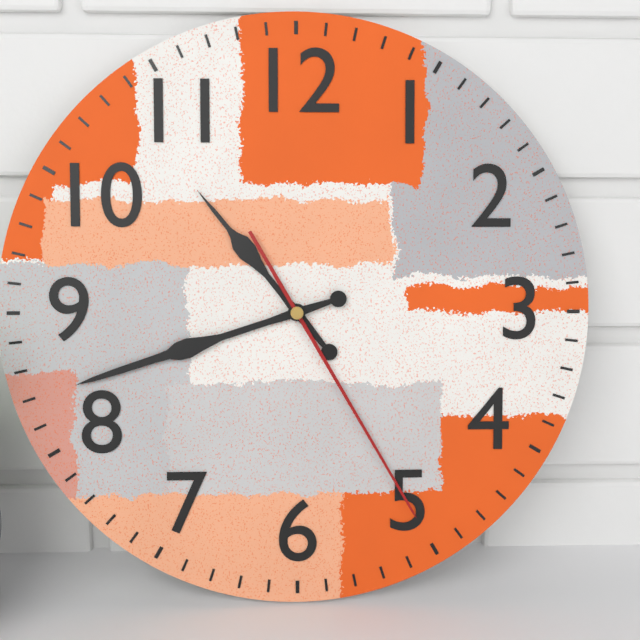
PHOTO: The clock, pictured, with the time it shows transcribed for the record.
10:42:25
